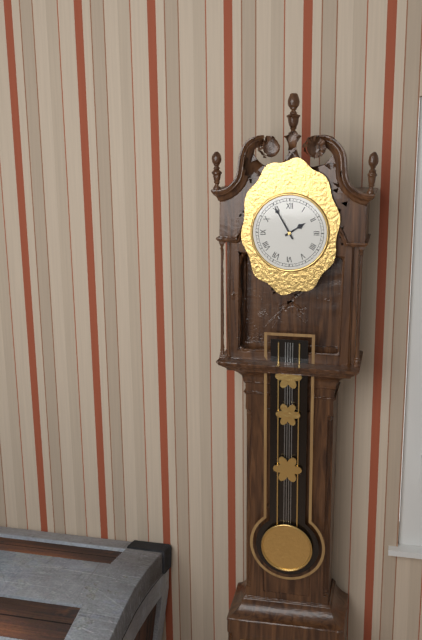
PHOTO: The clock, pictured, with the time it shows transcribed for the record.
1:55
